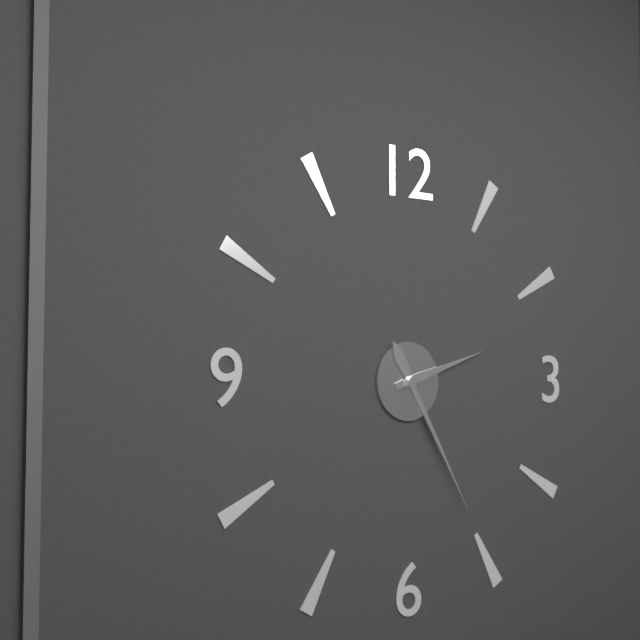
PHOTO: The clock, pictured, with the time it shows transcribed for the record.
2:25
